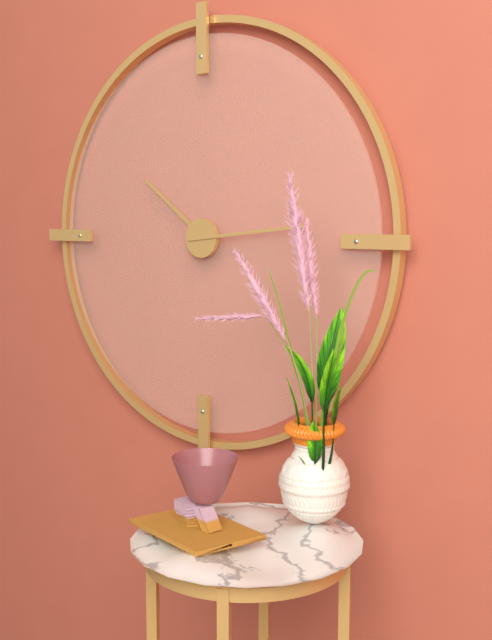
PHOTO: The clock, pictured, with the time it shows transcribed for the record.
10:14
